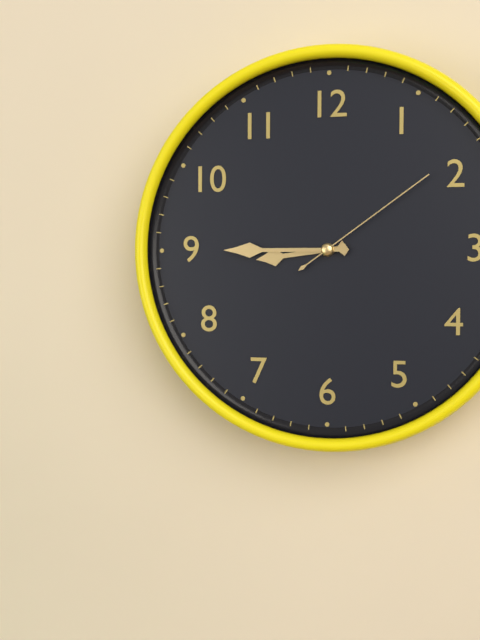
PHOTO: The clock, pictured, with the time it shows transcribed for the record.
8:45:09
